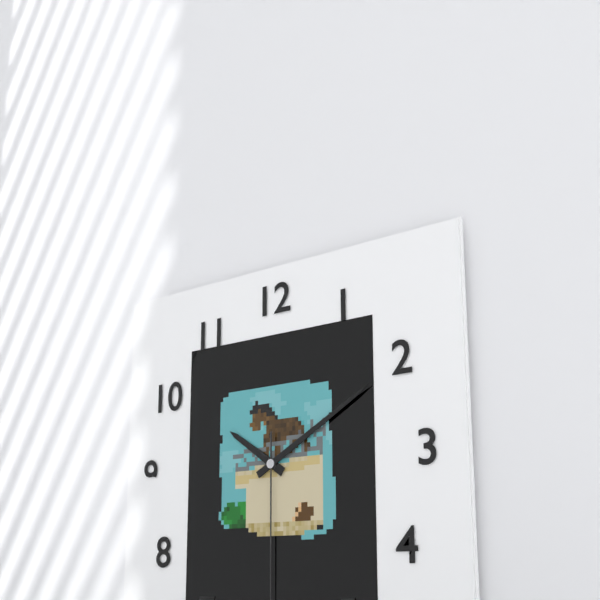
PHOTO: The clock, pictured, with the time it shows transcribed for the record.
10:10
